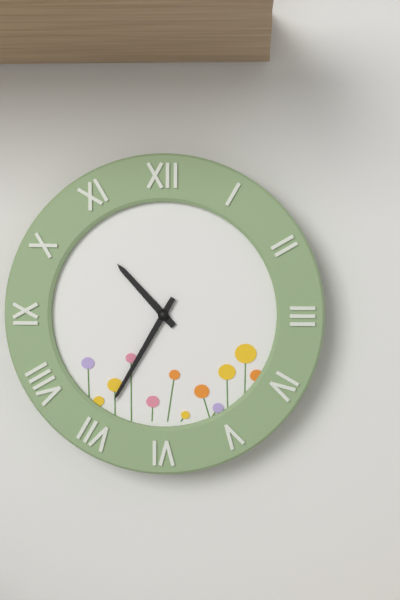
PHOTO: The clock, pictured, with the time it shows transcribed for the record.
10:35
